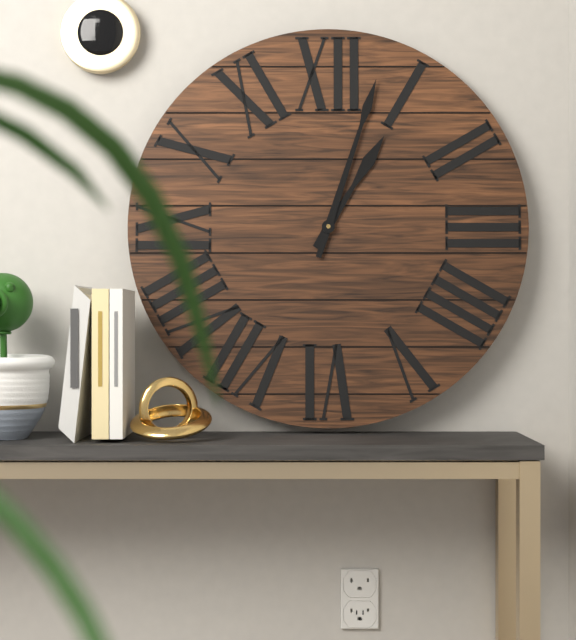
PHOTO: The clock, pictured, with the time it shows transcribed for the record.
1:03
